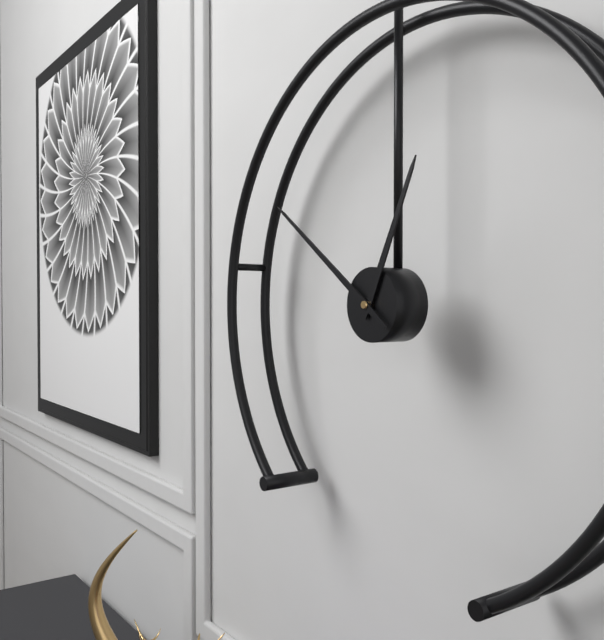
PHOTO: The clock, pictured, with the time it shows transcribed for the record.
12:51
